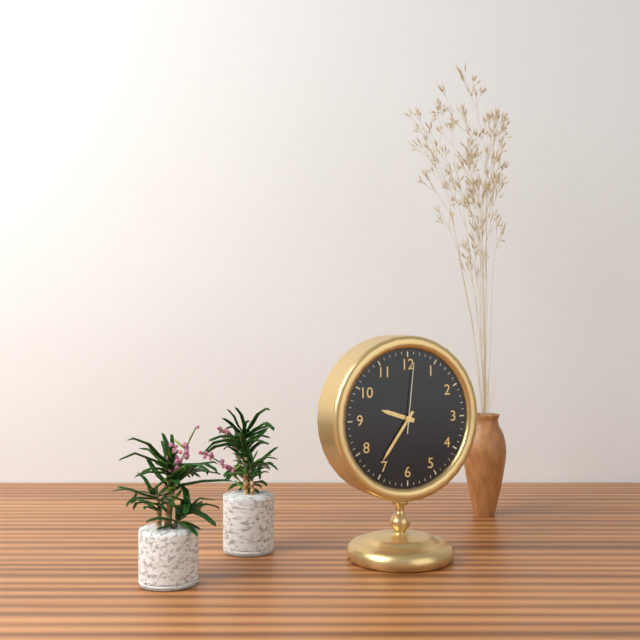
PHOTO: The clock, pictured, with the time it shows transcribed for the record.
9:36:01
